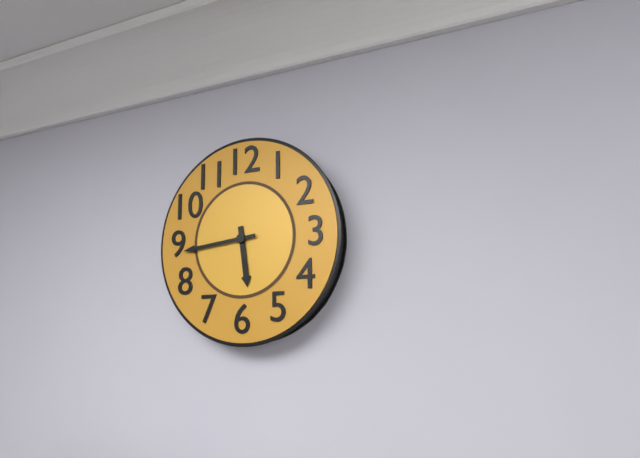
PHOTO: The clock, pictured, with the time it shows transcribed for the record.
5:44
